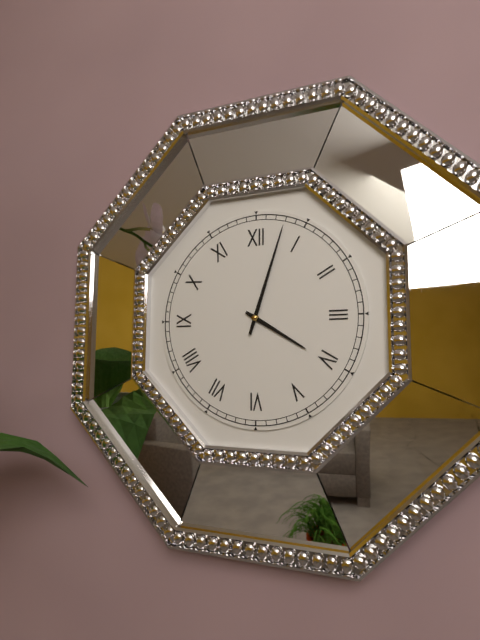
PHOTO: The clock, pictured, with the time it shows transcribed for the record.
4:03
